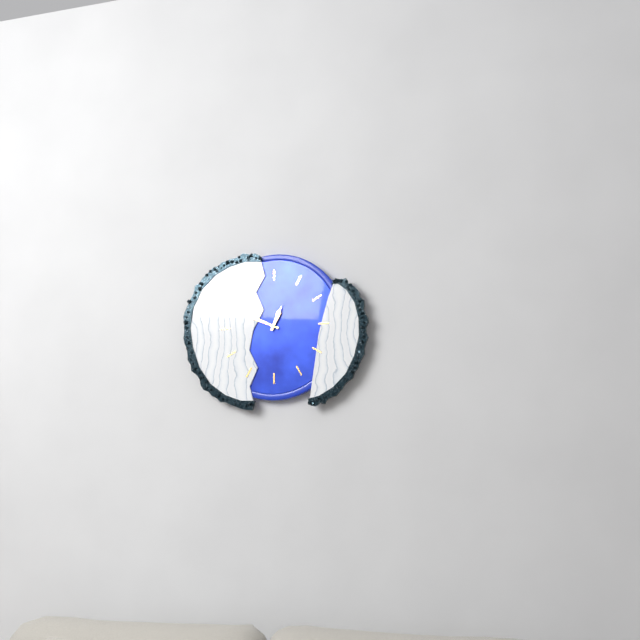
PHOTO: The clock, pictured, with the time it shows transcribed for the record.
12:49
